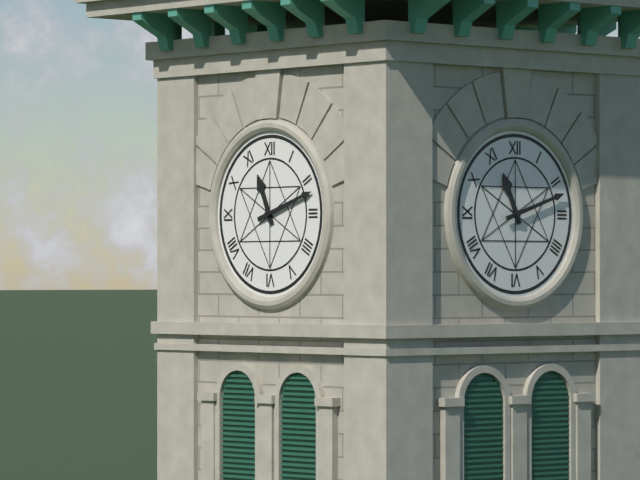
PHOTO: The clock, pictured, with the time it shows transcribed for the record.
11:12
